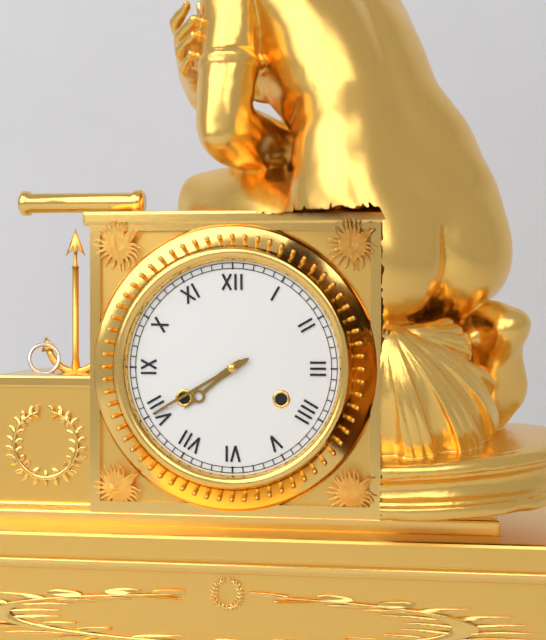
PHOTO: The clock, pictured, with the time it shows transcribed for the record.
7:40
